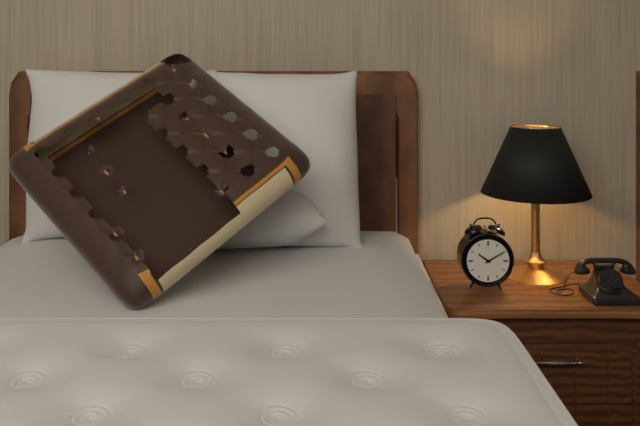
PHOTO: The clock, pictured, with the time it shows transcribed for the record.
10:10
